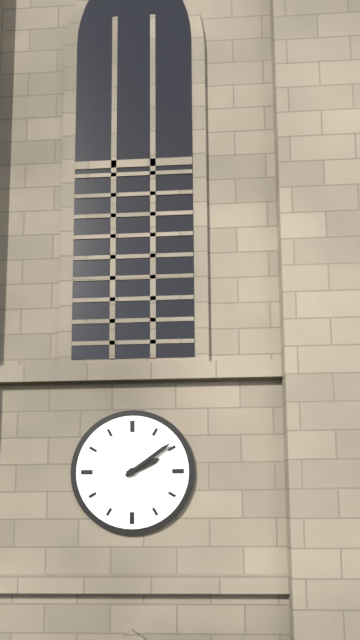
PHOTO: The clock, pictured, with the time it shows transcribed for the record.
2:09
